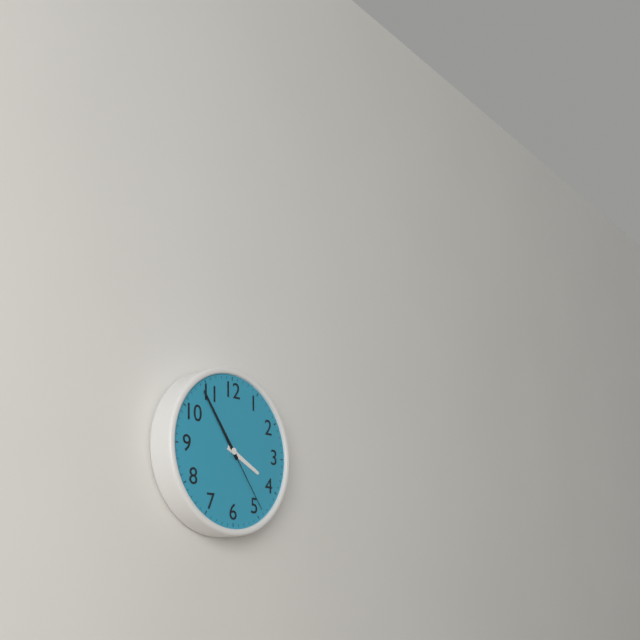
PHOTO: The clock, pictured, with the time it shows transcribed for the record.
3:54:24
